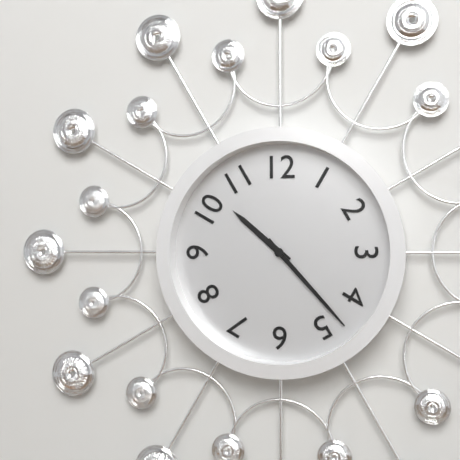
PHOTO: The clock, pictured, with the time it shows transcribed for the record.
10:23
